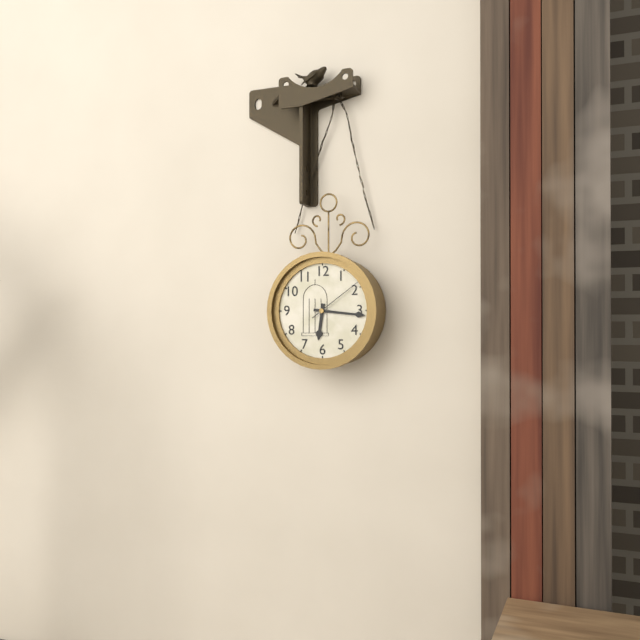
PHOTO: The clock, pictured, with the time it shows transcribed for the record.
6:16
